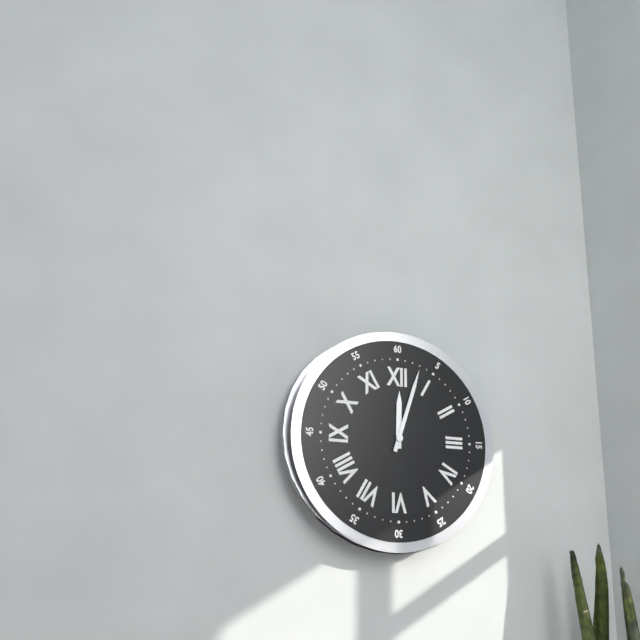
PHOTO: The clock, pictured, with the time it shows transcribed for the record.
12:03
